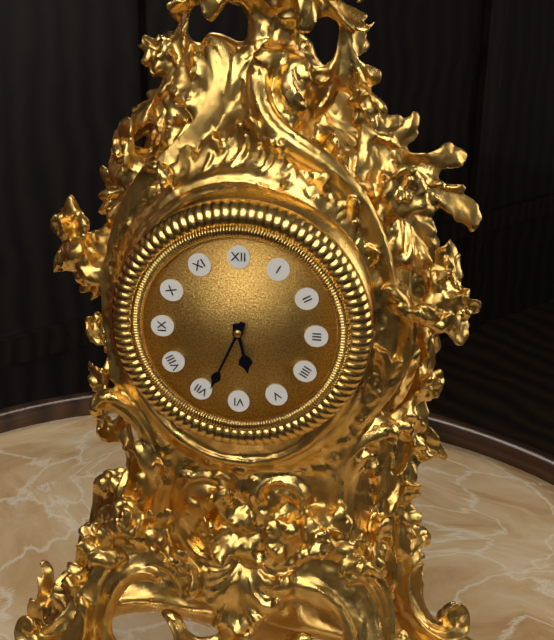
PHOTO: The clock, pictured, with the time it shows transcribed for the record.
5:34
